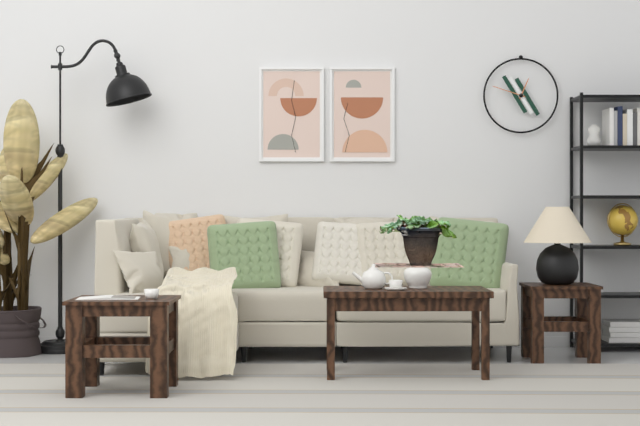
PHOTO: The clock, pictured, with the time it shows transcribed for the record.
12:48
